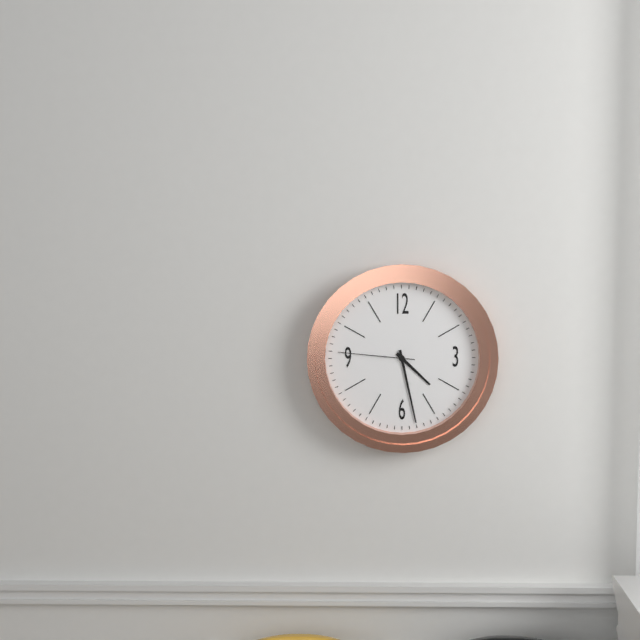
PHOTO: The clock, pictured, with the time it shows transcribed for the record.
4:28:46
